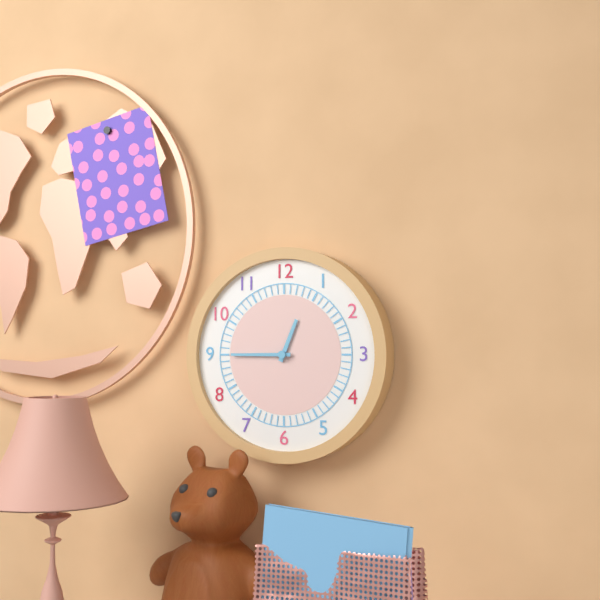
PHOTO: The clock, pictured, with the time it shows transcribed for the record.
12:45
